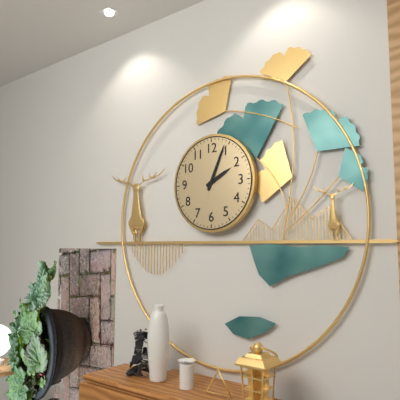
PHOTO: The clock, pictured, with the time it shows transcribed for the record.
2:04
